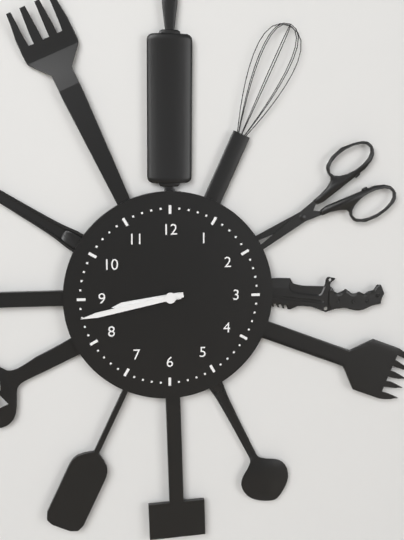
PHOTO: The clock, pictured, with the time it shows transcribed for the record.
8:43
